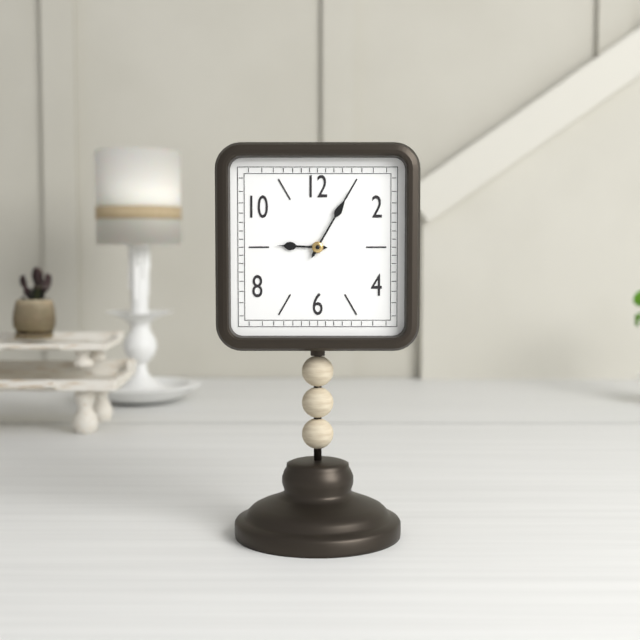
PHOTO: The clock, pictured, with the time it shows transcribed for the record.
9:05
